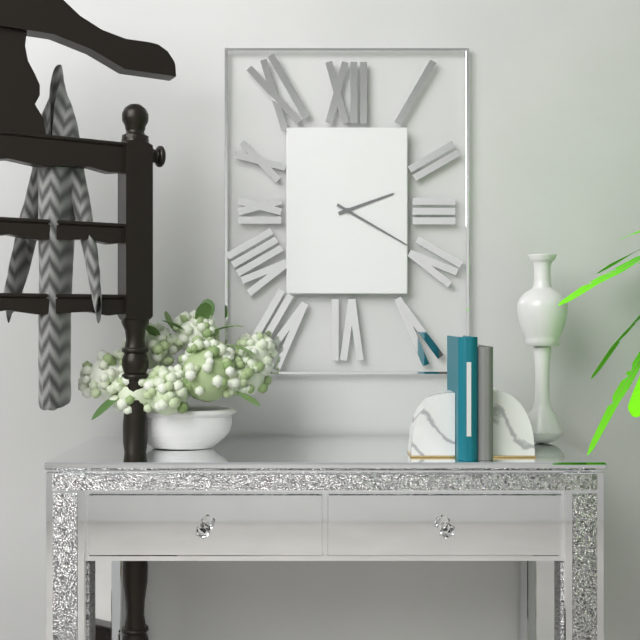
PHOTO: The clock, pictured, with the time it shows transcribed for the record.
2:20
